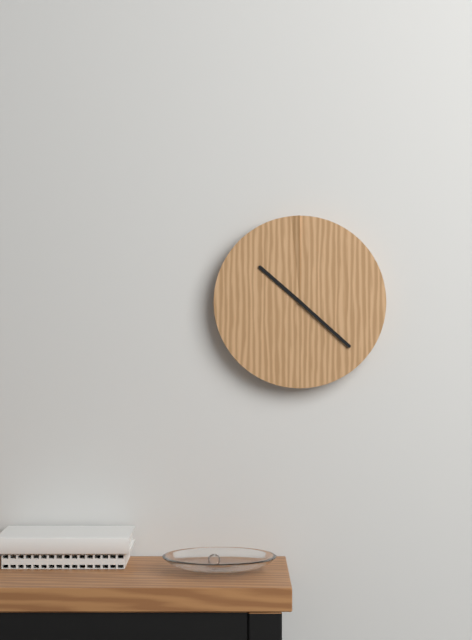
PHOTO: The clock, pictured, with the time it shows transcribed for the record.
10:22
